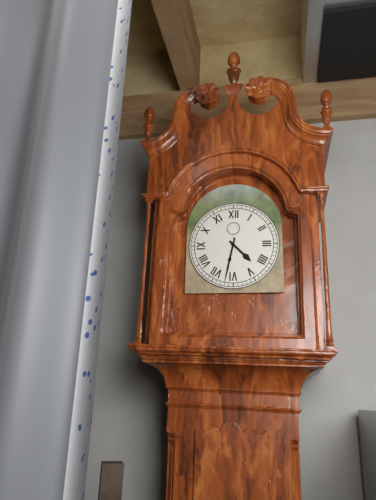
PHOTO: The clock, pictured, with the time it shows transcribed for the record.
4:32
